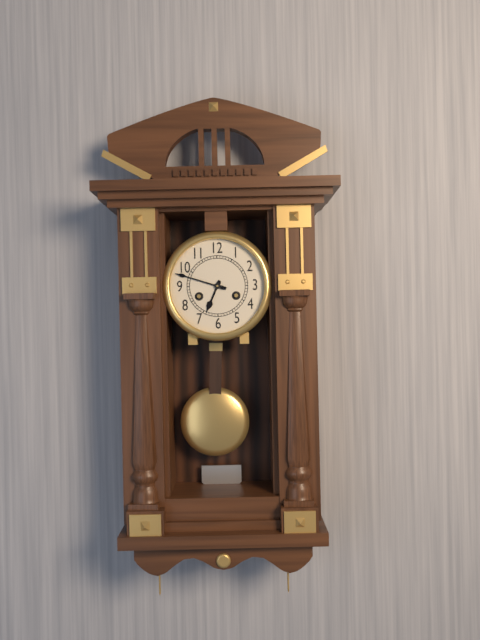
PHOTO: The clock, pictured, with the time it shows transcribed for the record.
6:48
